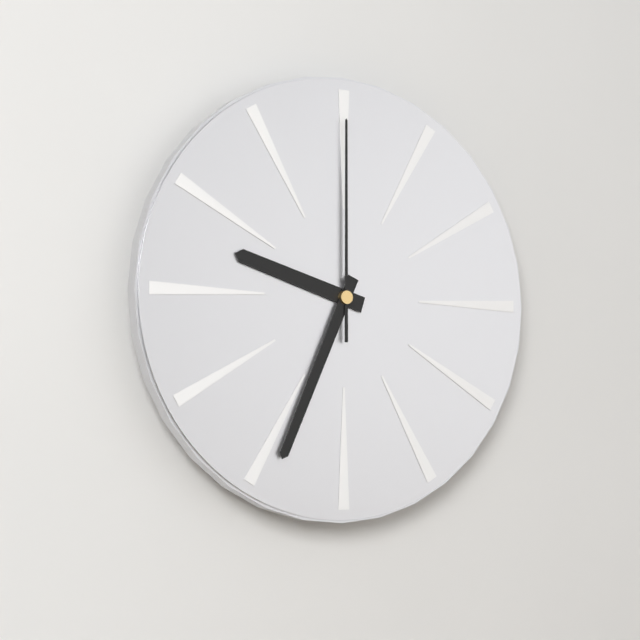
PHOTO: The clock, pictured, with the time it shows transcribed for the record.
9:34:00
